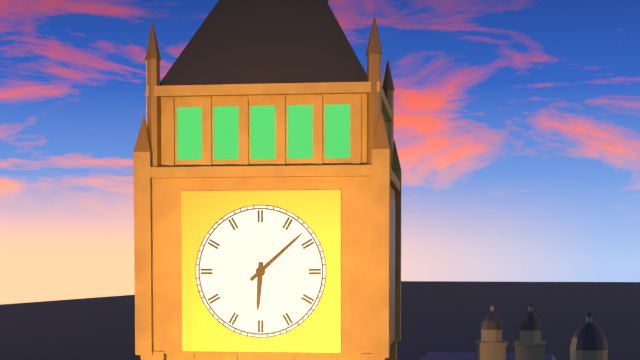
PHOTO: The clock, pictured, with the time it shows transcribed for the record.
6:08
